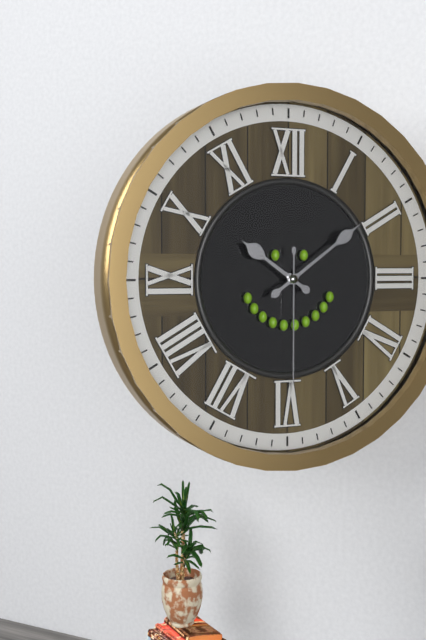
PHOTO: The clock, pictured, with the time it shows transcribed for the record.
10:09:30
